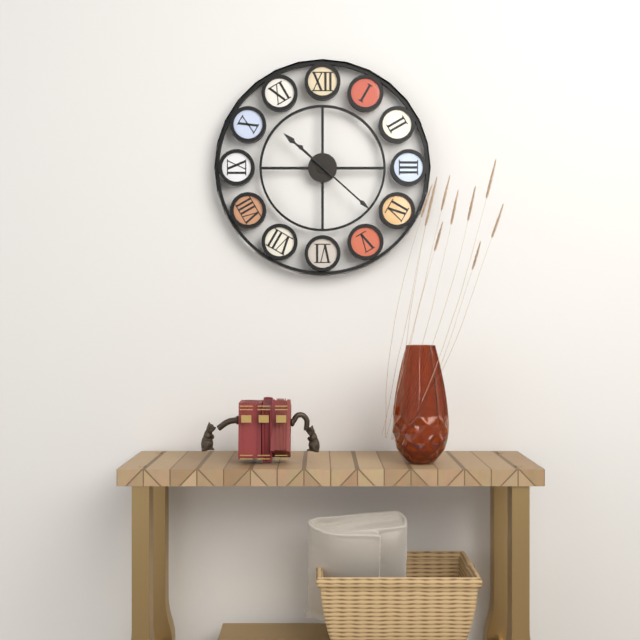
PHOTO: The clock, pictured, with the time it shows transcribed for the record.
10:22
